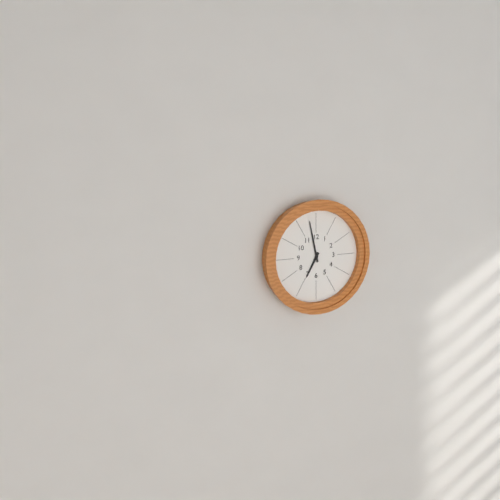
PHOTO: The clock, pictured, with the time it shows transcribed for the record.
6:58
